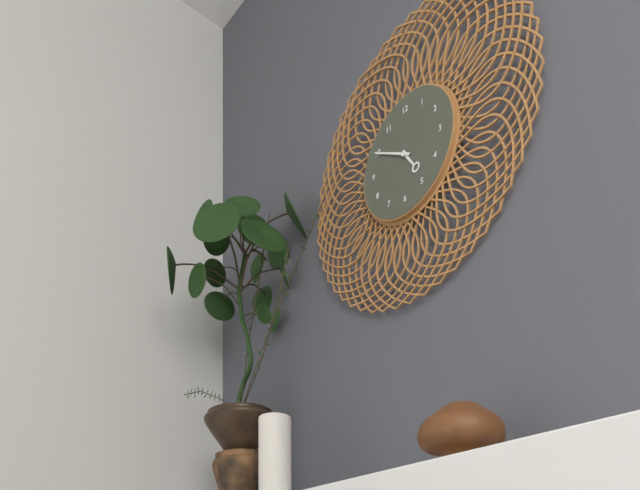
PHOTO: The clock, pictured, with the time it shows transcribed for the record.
4:50
